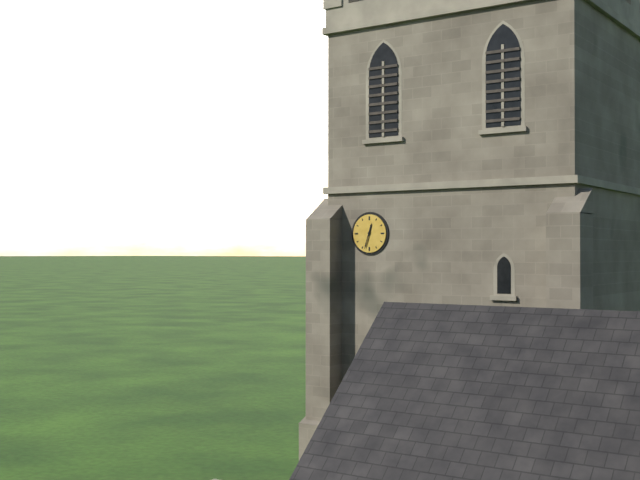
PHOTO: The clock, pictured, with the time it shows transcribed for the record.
12:33
